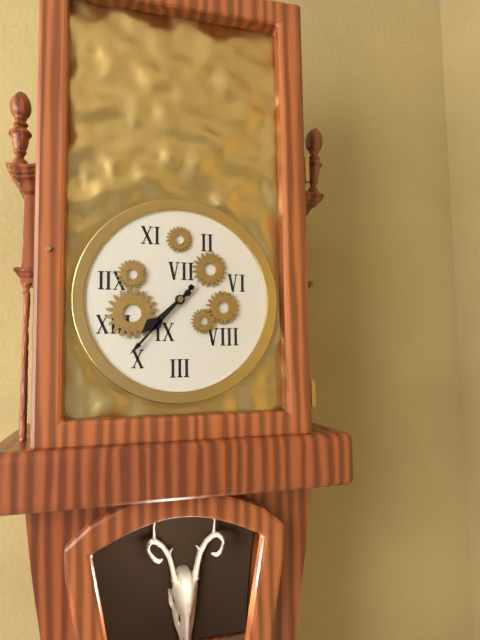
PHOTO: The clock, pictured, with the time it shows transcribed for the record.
7:37
